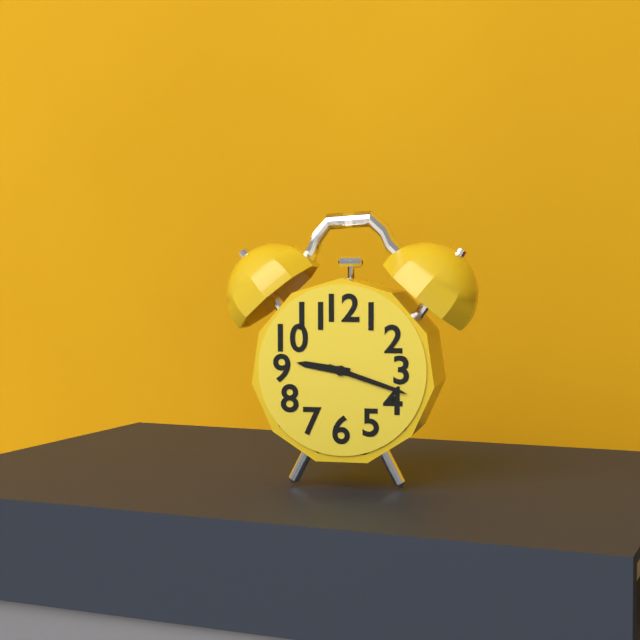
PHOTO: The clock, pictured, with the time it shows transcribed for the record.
9:18
